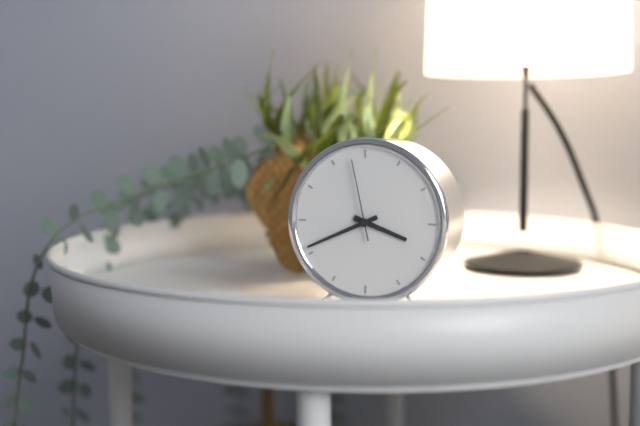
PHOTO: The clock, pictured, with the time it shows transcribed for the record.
3:41:58
